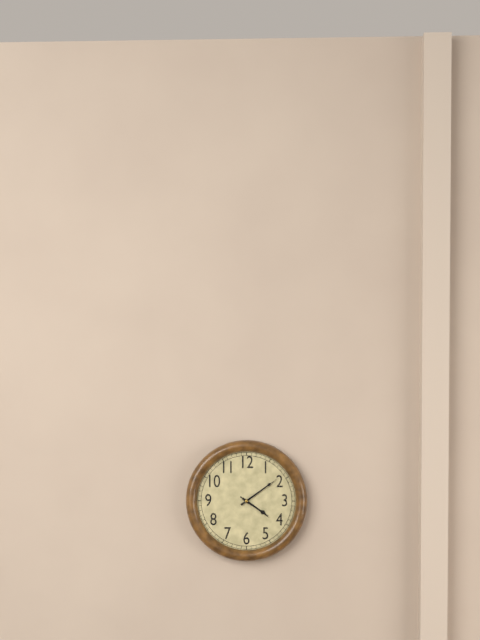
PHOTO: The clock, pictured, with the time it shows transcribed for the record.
4:09
